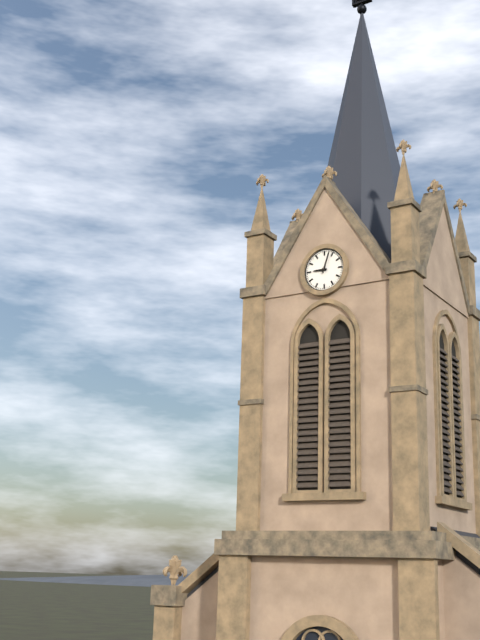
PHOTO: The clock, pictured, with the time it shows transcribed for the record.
9:03
